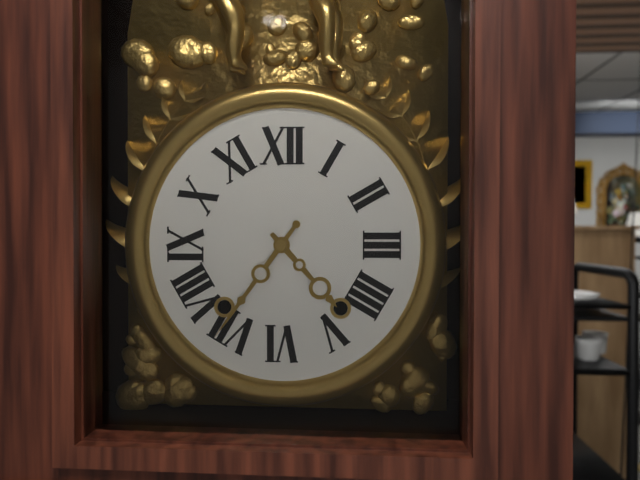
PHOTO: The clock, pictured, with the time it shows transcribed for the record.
4:36
